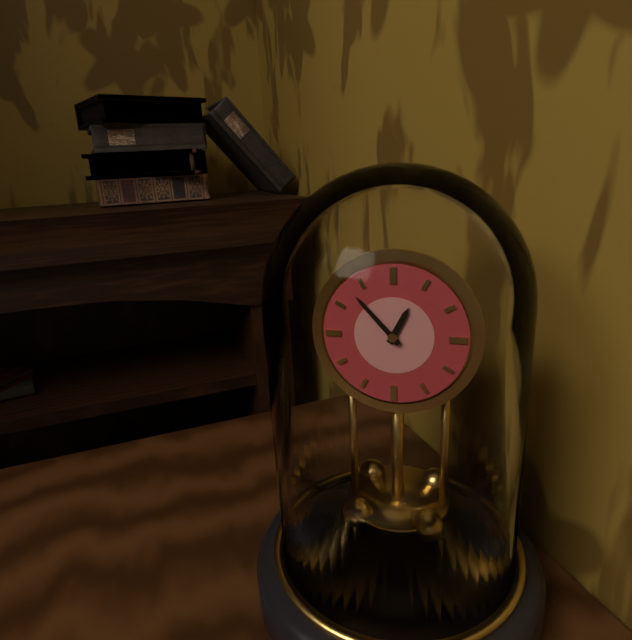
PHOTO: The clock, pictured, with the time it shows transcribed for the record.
12:53
